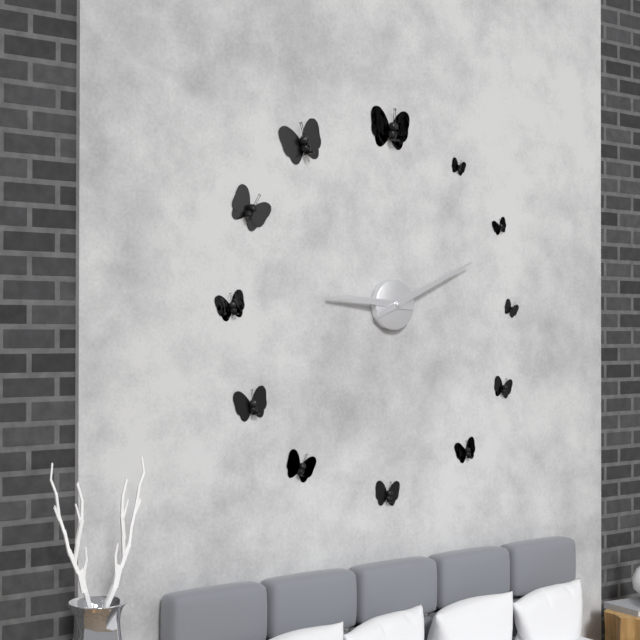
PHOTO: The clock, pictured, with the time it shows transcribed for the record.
9:11
